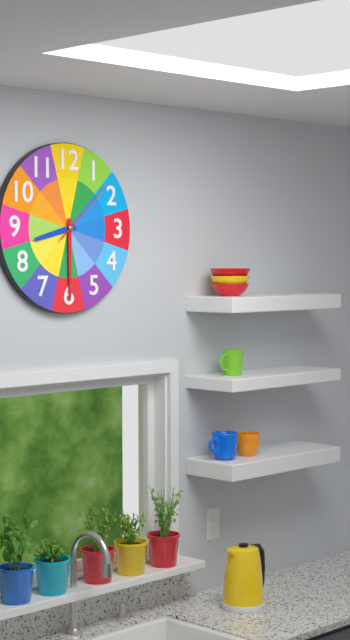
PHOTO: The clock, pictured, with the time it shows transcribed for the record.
8:30:08
